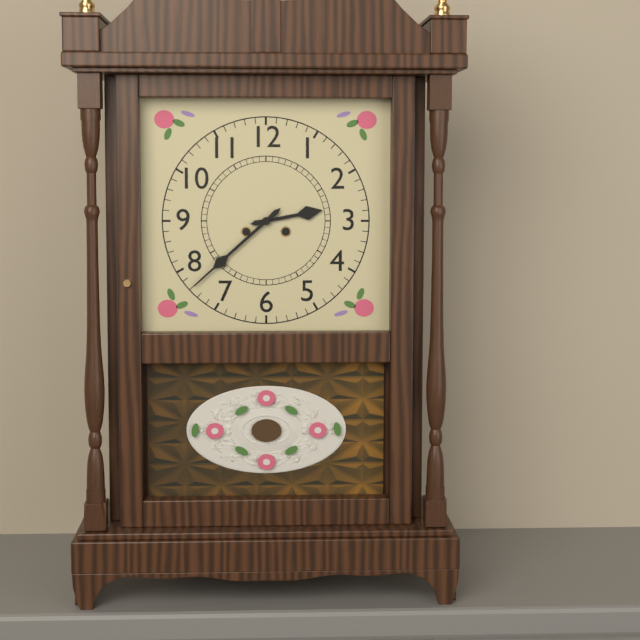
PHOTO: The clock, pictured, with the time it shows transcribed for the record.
2:38
